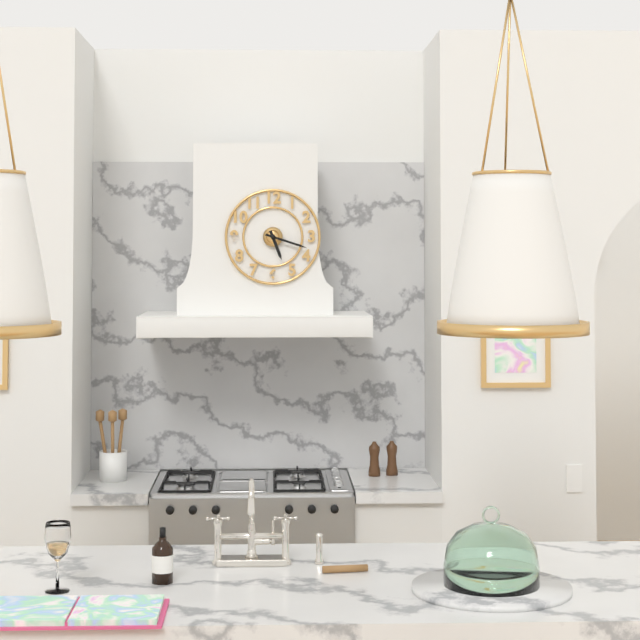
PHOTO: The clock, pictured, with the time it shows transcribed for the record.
5:18
